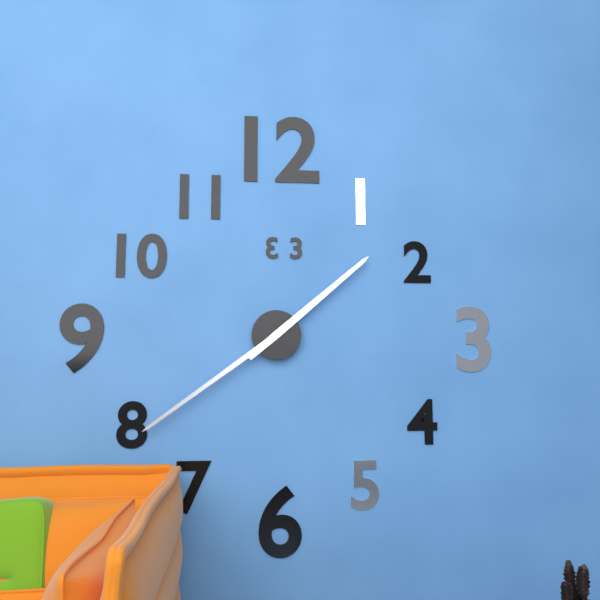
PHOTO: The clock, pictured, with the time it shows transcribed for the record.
1:39
